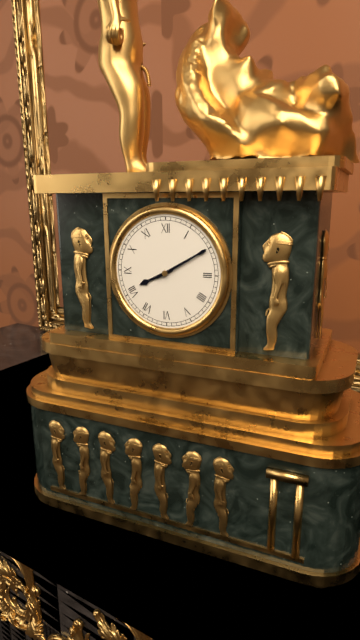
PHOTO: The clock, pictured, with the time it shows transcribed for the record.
8:10
